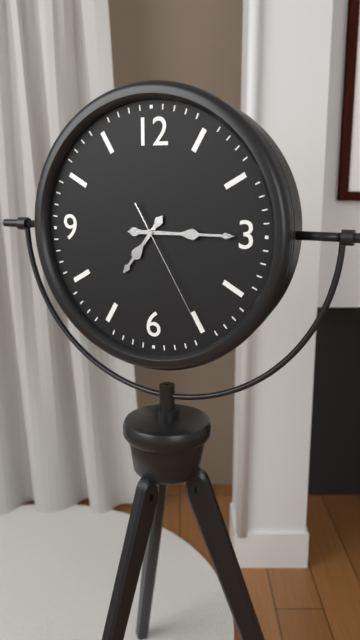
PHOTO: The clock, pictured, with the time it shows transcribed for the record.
7:15:25
